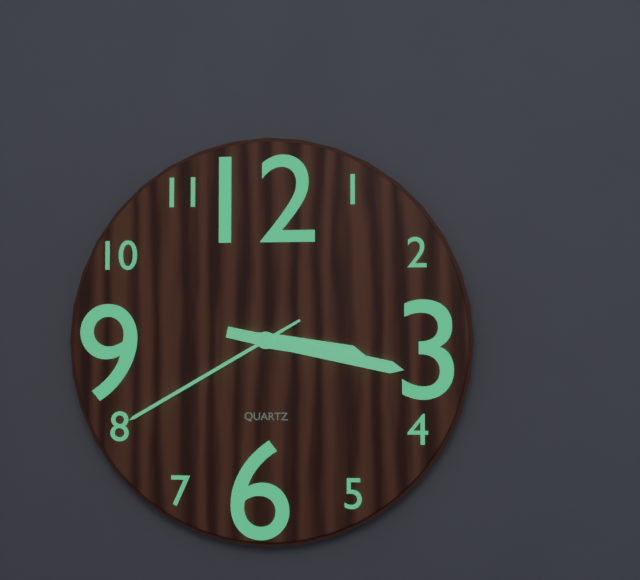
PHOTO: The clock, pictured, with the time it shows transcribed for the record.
3:17:40
